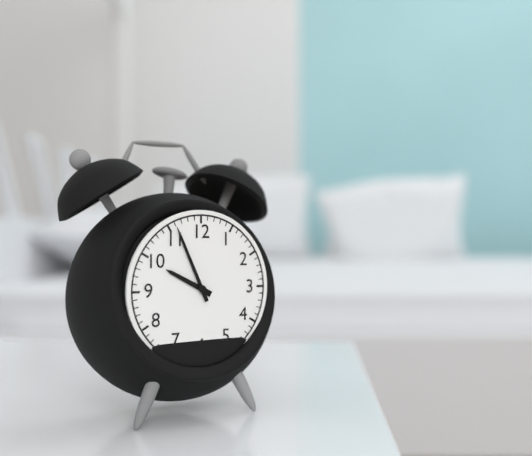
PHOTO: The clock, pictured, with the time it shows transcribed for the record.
9:56
